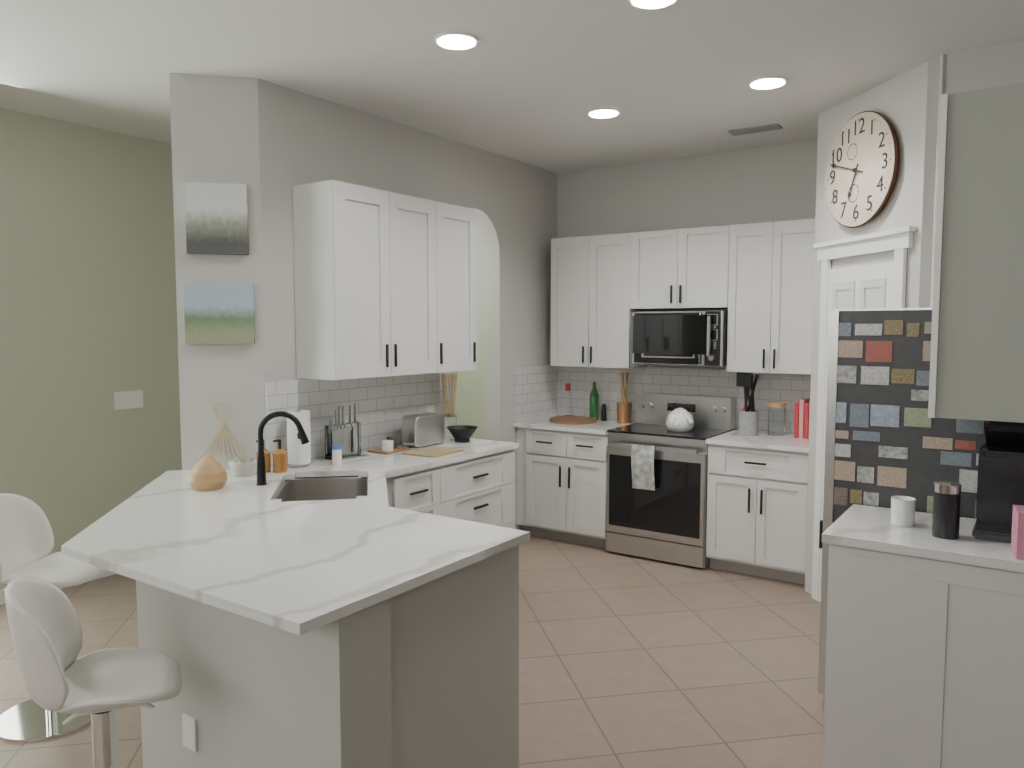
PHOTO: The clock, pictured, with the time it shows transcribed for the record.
6:48
